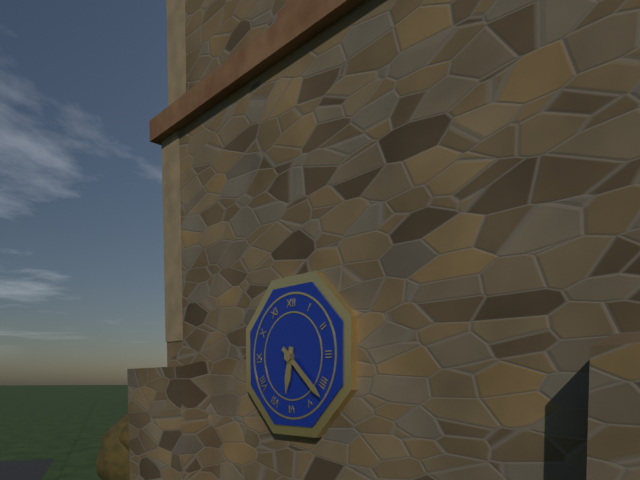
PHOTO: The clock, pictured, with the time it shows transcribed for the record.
6:22
